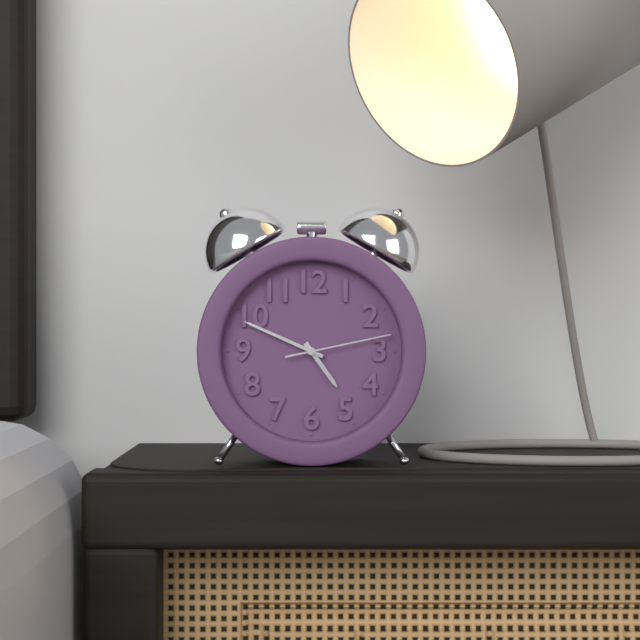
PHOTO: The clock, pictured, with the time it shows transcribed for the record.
4:49:13
